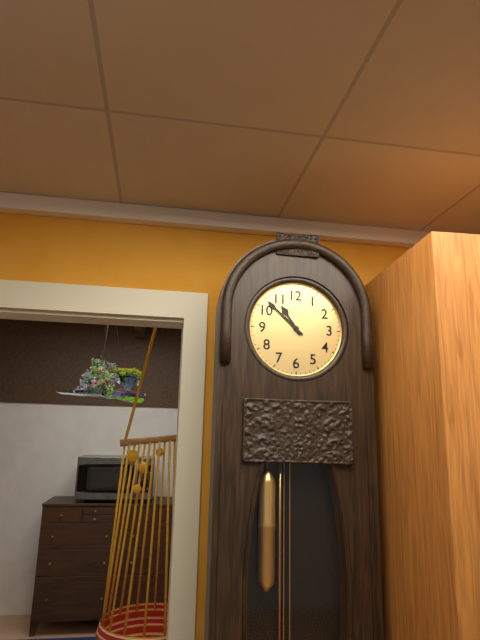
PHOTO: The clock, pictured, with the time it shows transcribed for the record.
10:52
